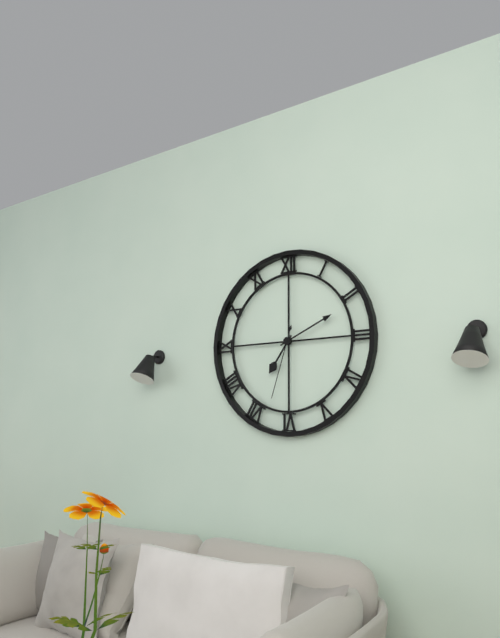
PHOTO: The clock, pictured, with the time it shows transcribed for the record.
7:11:33
